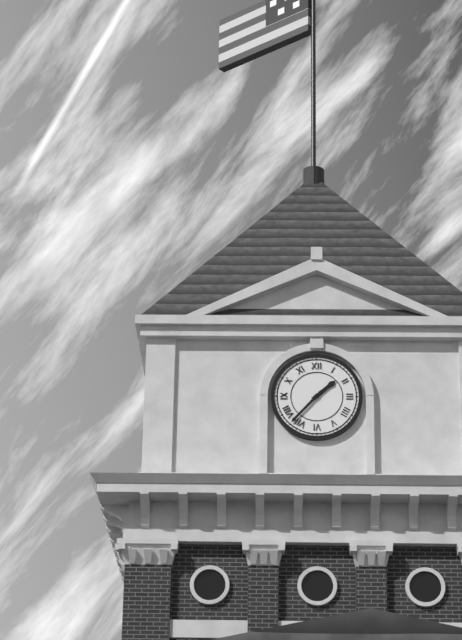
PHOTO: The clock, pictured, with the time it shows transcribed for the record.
1:37
